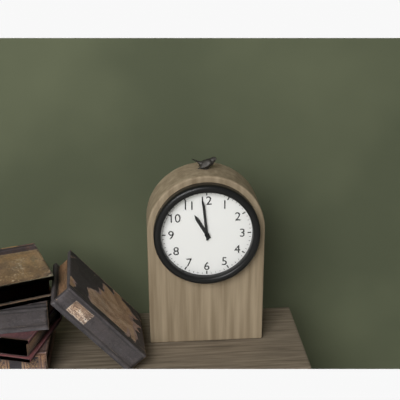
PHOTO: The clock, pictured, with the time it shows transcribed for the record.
10:59
